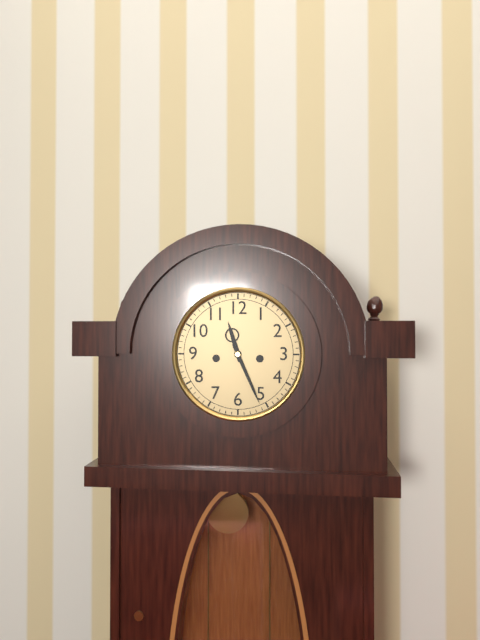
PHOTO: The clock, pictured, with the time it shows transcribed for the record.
11:26
